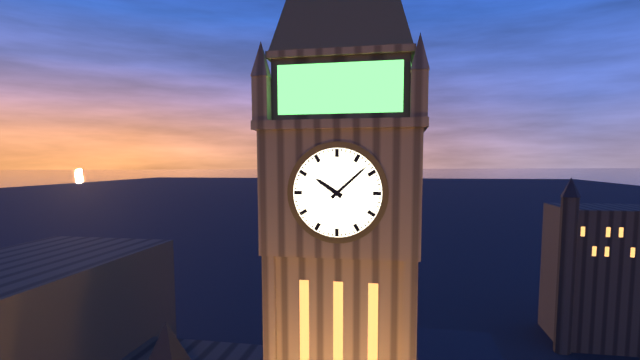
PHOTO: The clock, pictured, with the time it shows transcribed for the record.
10:08
